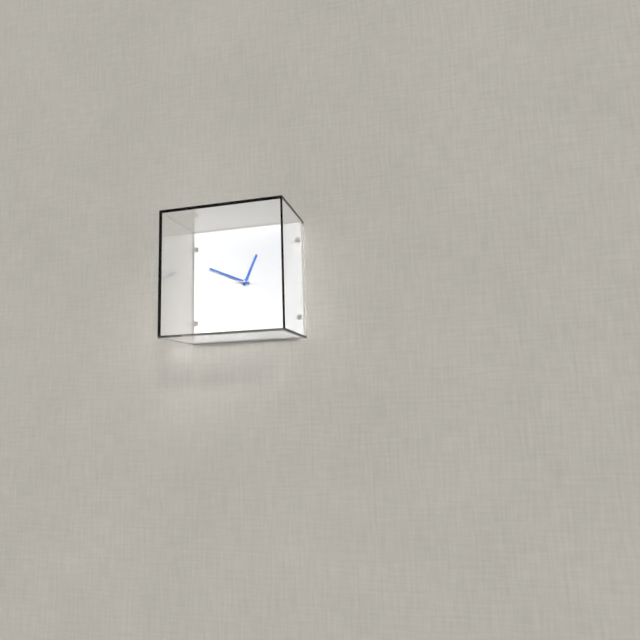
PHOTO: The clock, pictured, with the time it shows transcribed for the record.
12:49
